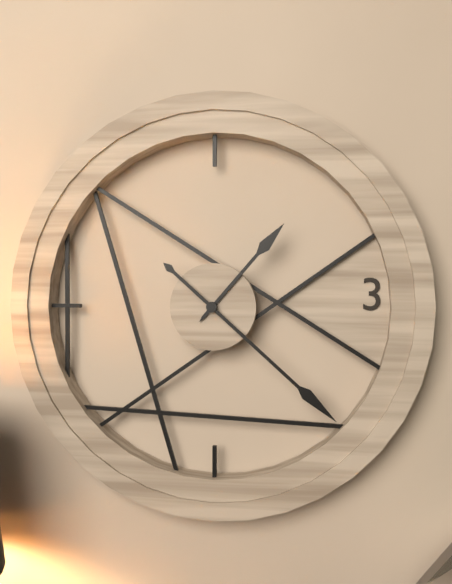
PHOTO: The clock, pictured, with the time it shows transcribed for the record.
1:22
